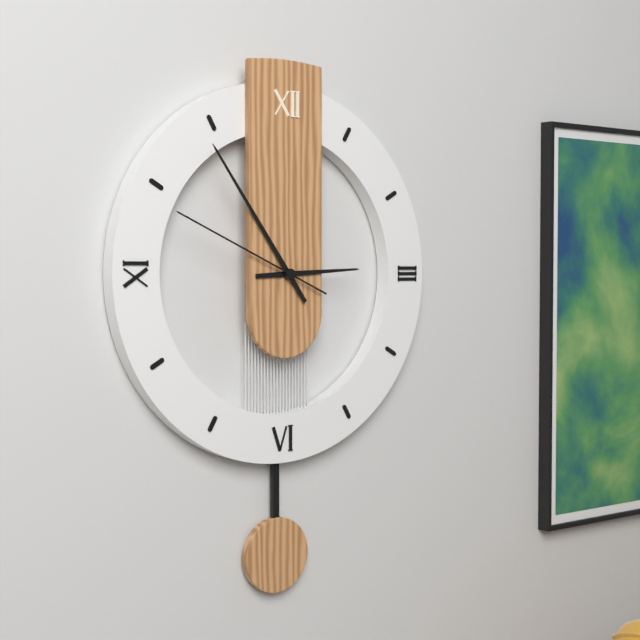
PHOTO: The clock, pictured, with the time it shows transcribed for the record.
2:54:49
